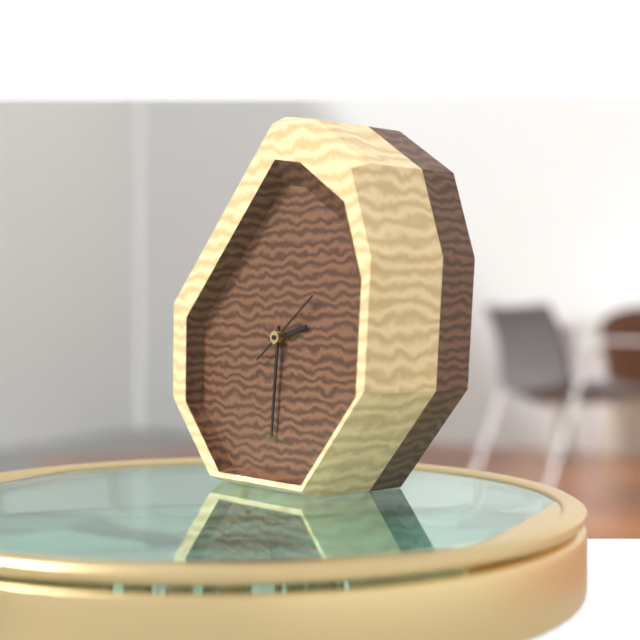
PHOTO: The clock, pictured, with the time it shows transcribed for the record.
2:31:09
